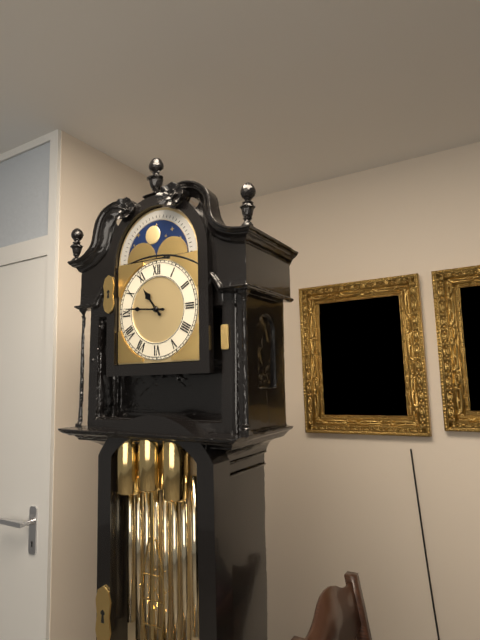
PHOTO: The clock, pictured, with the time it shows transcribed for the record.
10:46
